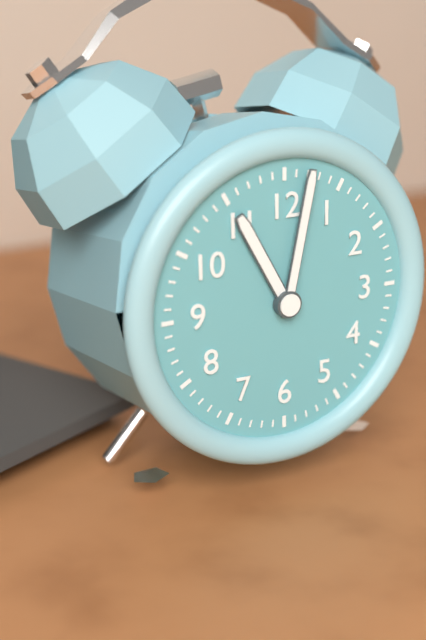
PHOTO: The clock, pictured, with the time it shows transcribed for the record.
11:02
